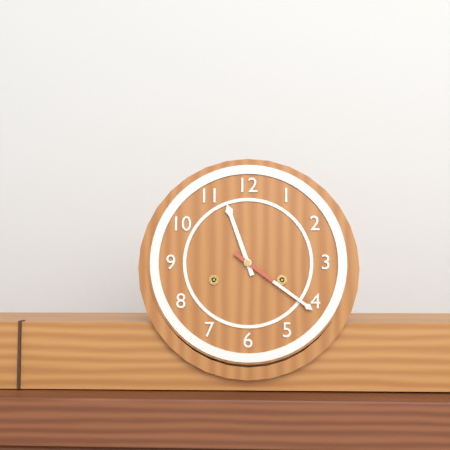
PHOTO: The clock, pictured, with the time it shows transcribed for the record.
11:21
